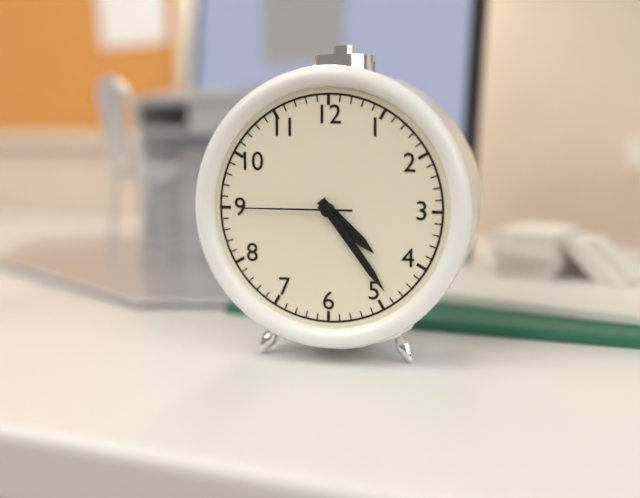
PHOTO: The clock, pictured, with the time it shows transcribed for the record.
4:24:45
